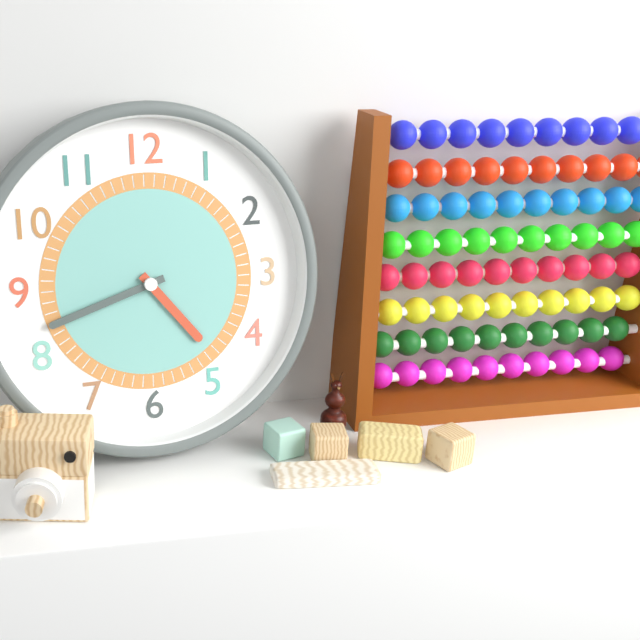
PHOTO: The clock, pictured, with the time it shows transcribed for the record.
4:42
